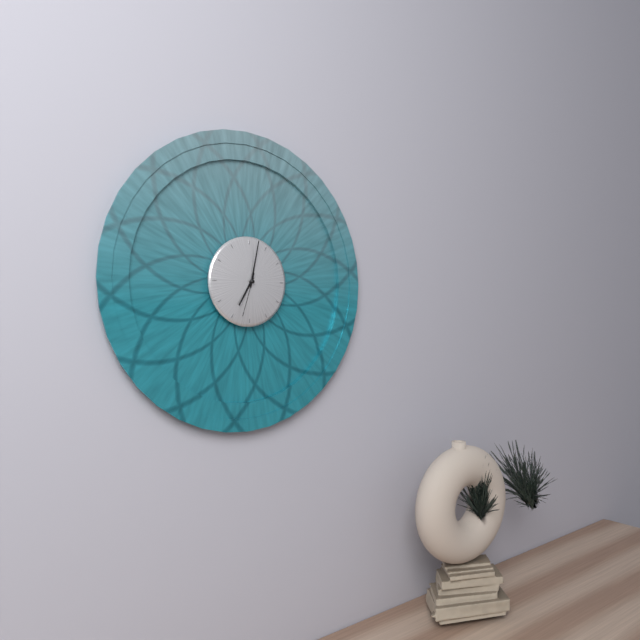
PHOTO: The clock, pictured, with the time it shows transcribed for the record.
7:02
